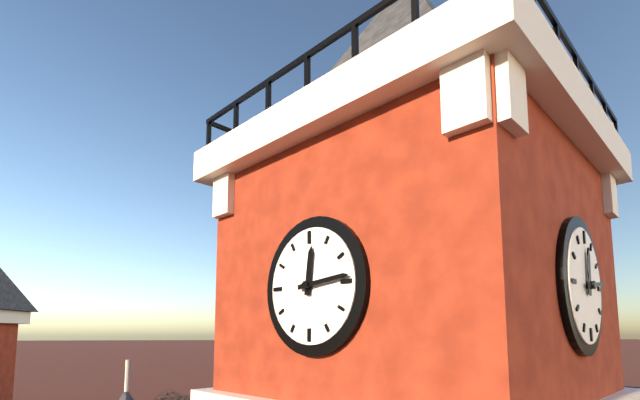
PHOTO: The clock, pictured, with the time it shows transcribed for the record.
12:14
